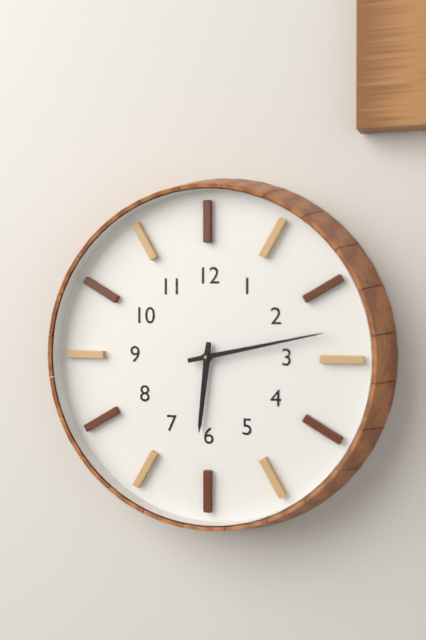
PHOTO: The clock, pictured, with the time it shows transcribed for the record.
6:13
